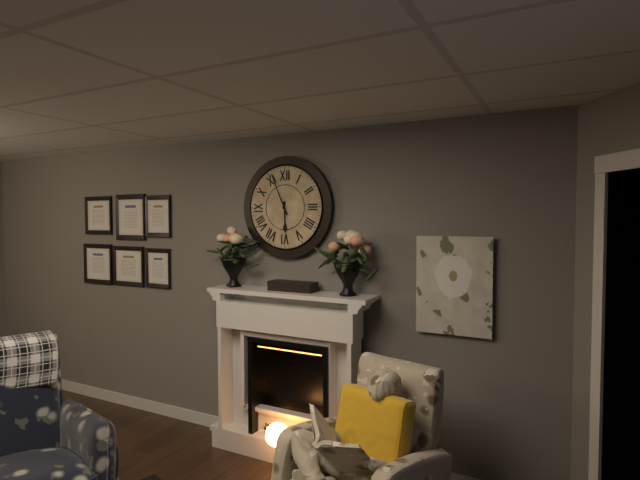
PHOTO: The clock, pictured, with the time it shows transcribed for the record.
5:56
